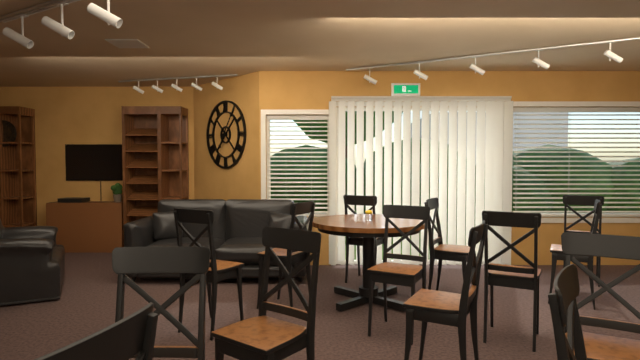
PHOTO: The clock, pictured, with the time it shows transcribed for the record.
7:06
